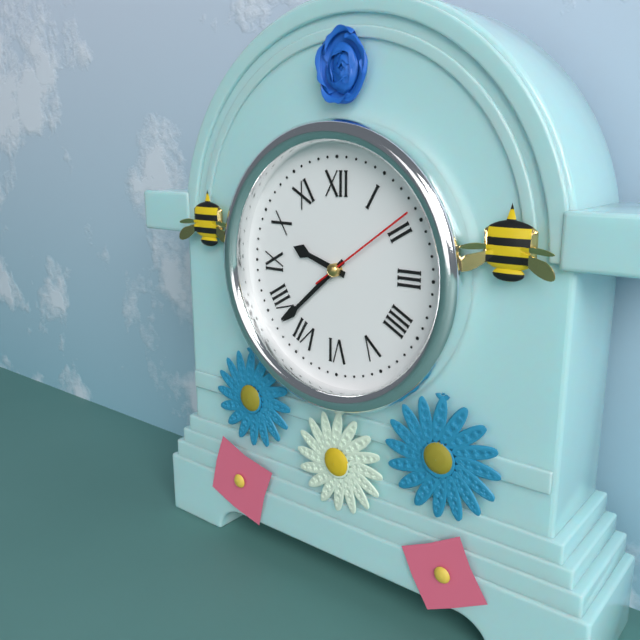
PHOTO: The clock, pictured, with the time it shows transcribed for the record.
9:38:09
